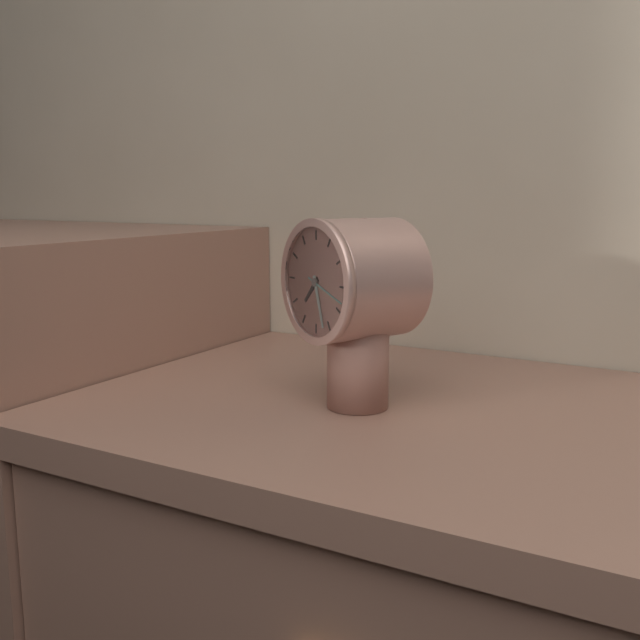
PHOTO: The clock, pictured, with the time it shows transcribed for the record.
7:27
